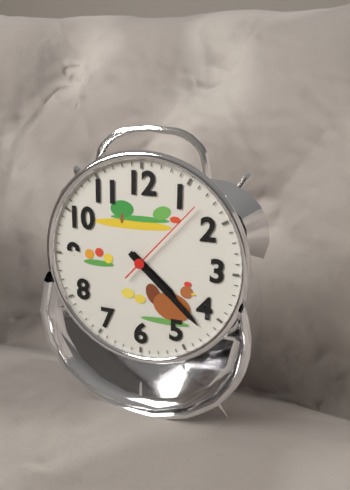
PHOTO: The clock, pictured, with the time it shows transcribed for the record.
4:22:07
